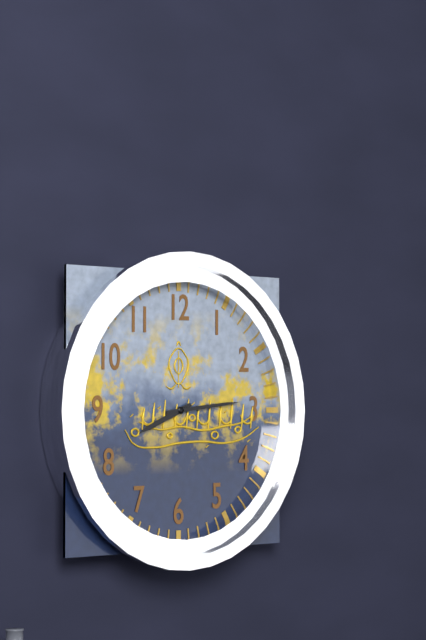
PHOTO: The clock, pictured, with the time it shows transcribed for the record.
8:14
